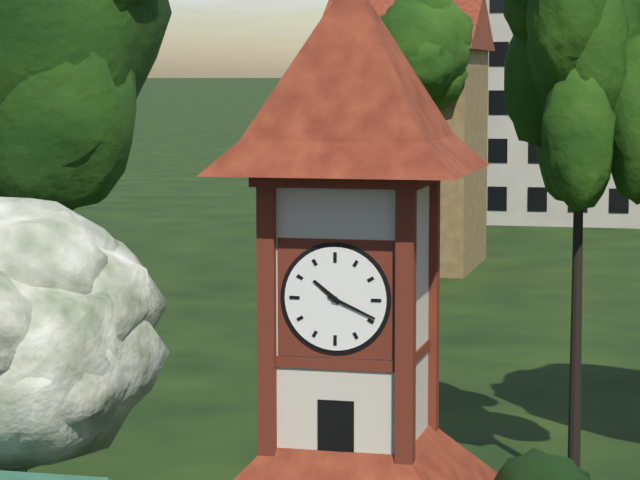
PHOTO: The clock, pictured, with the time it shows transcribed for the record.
10:19
